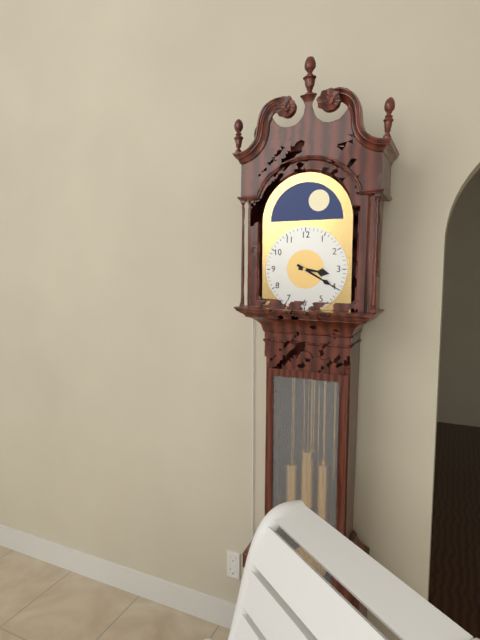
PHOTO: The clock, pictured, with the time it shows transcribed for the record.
3:20
